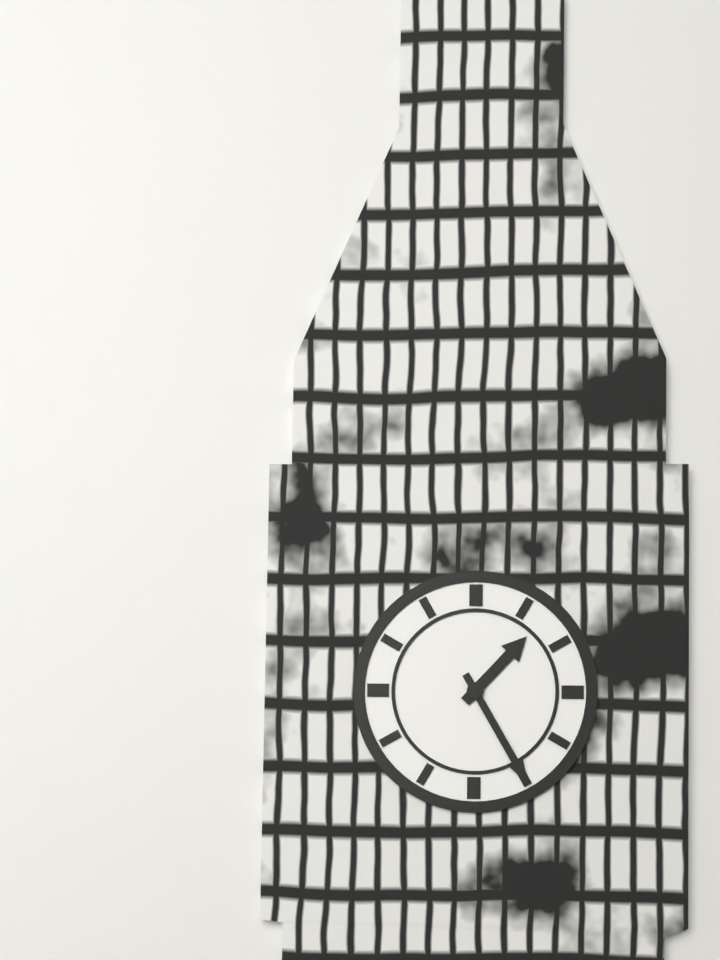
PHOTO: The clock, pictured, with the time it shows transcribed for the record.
1:25
